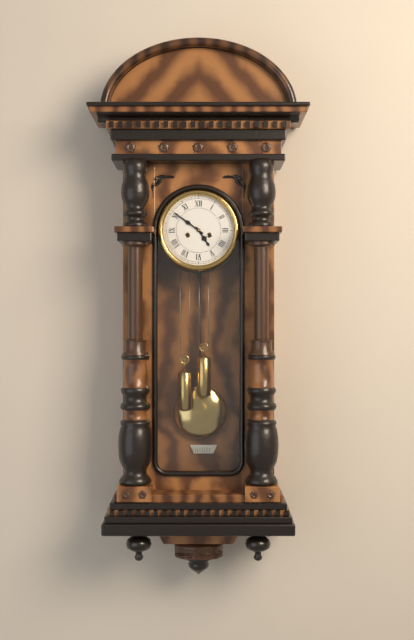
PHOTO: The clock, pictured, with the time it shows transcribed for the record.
4:51
